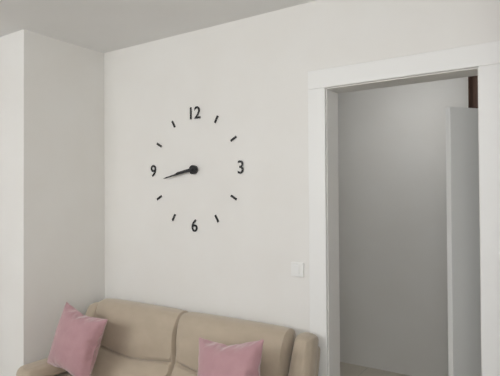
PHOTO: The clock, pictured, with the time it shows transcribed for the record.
8:43
